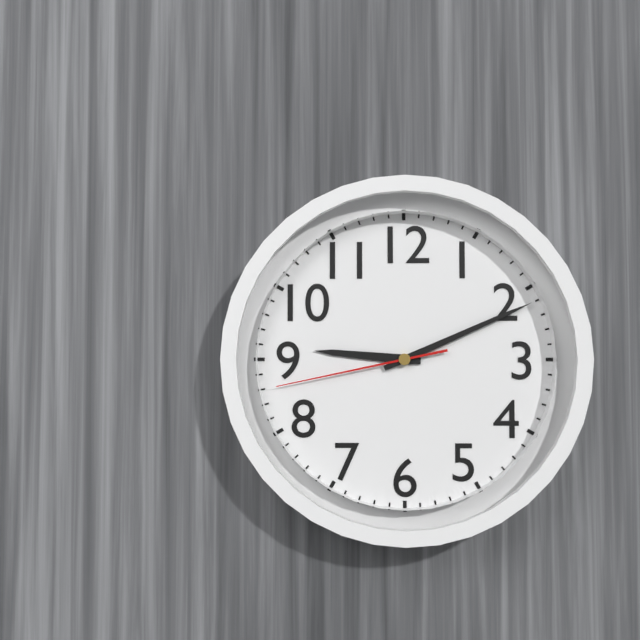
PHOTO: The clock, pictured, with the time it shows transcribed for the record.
9:11:43
